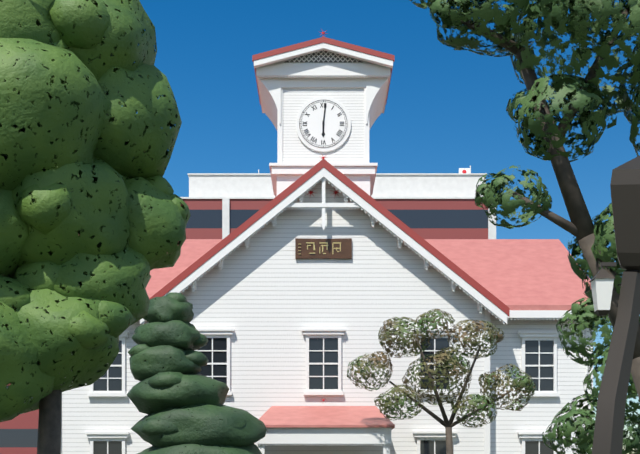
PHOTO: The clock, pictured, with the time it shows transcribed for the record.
6:01
